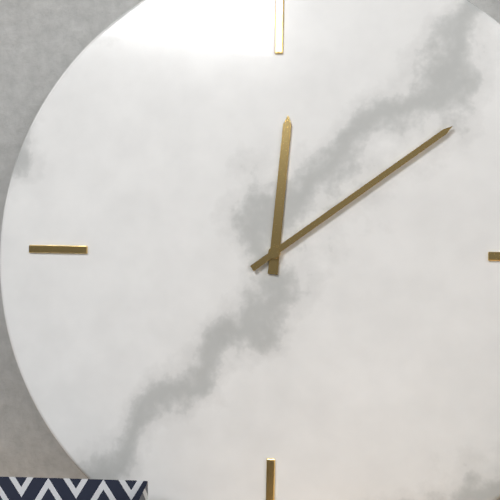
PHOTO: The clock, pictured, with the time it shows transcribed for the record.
12:09
